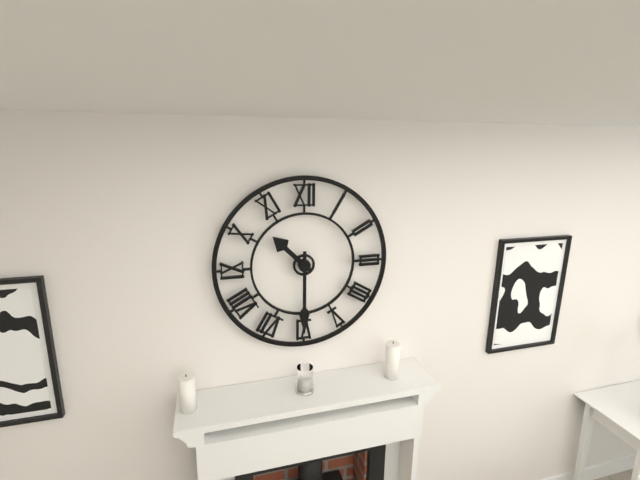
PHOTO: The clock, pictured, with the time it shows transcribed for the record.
10:30
